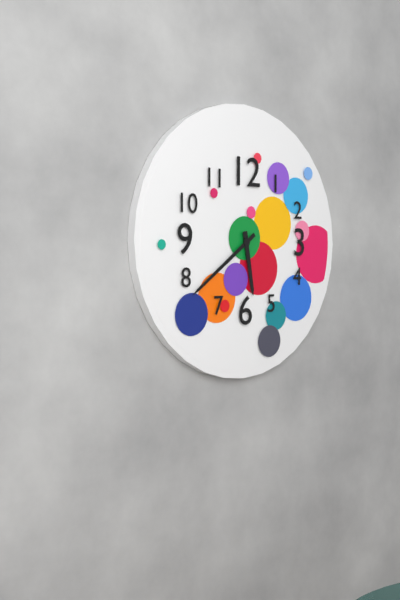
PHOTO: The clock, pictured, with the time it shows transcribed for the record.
5:39
